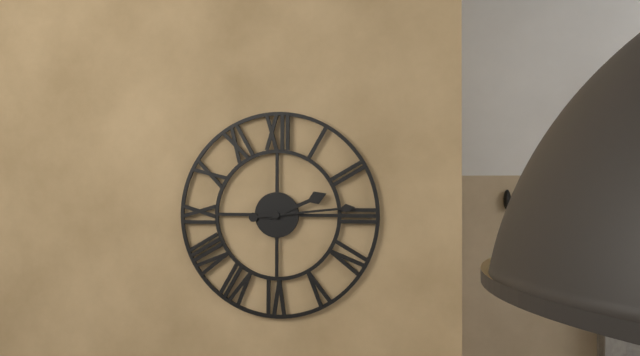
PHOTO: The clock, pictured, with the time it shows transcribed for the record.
2:14
